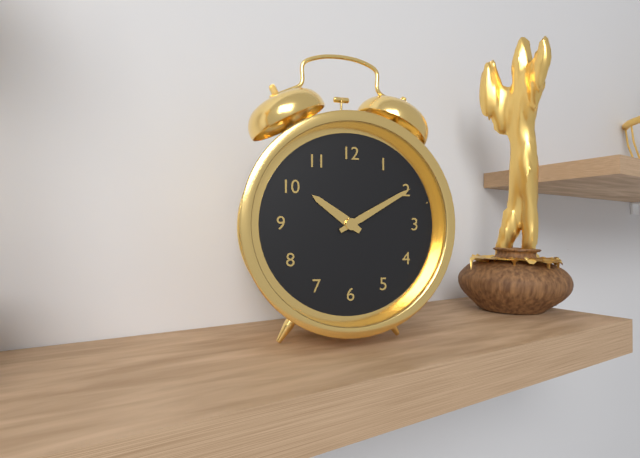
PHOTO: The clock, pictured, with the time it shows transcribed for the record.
10:10
